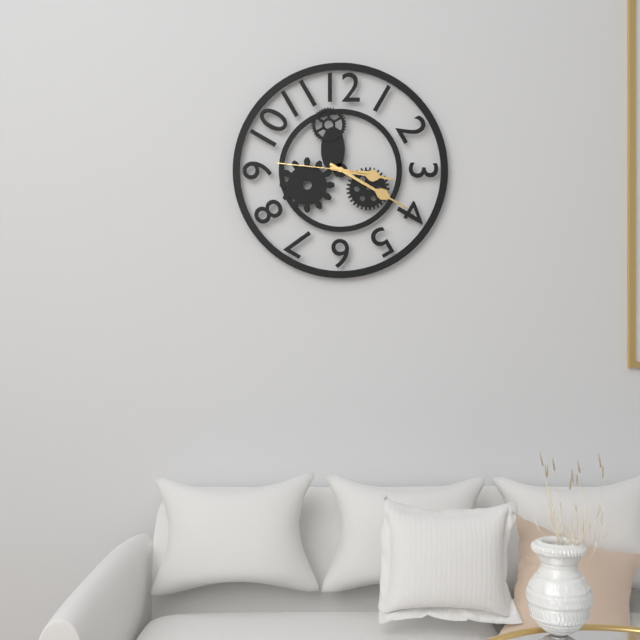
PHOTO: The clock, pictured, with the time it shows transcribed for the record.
3:20:46
